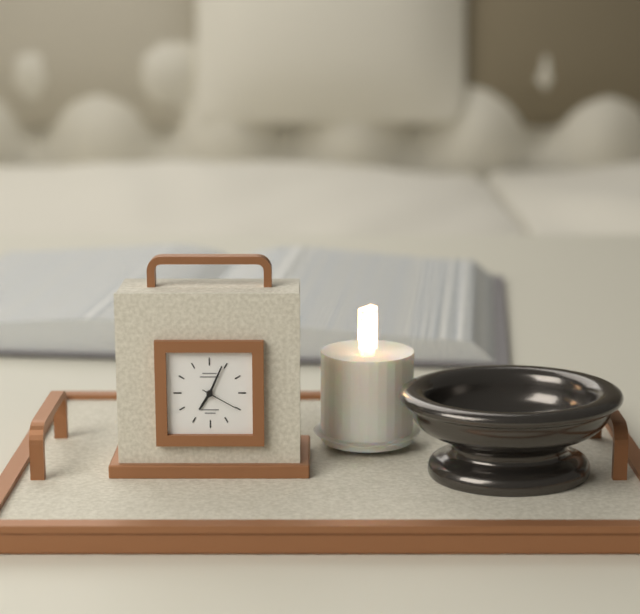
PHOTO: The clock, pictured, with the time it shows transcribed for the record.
7:04
